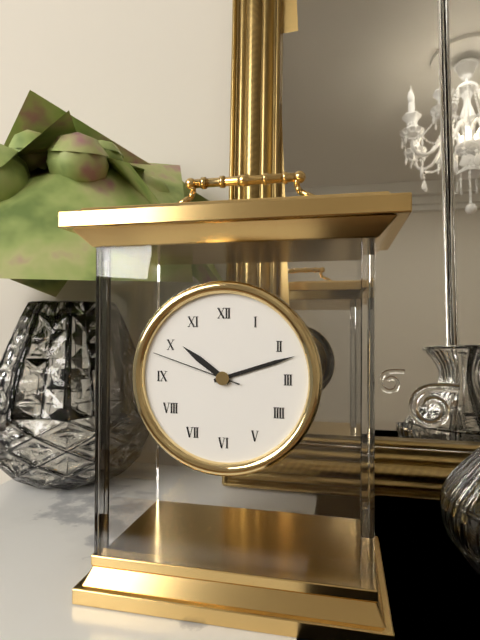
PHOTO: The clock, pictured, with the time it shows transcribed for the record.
10:12:48
